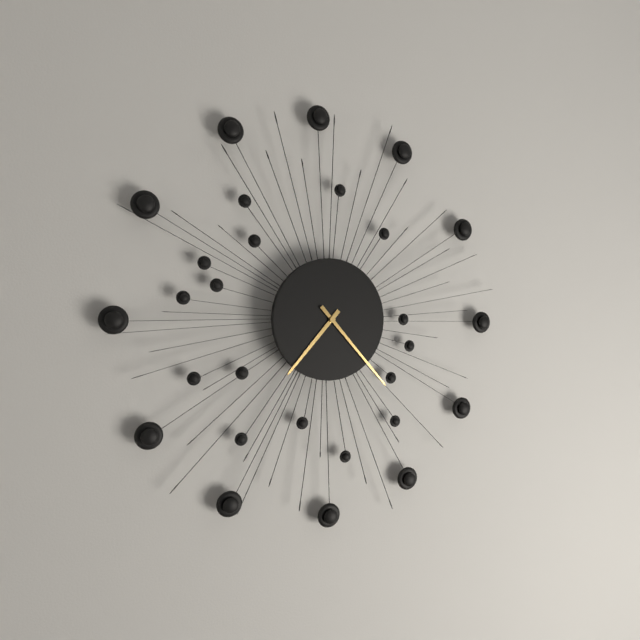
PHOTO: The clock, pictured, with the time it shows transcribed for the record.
7:23
